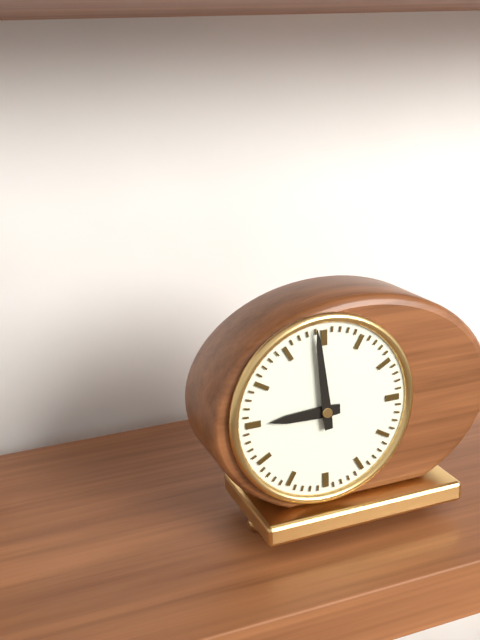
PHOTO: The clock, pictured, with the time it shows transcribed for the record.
8:59
